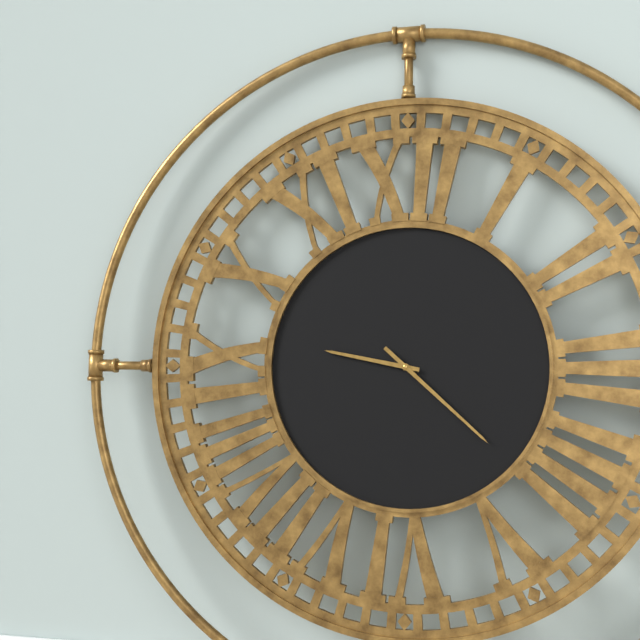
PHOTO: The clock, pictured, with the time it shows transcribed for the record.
9:22
